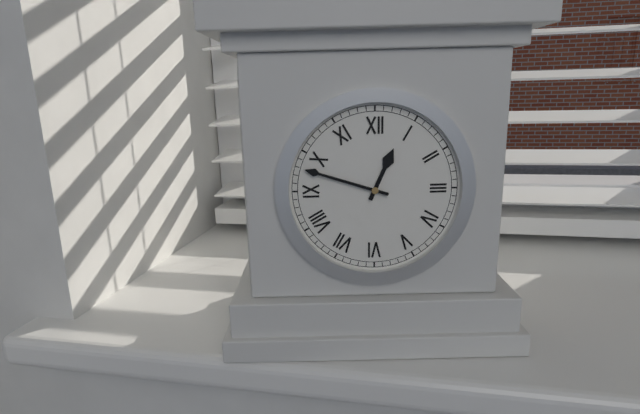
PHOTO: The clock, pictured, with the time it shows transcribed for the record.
12:48
